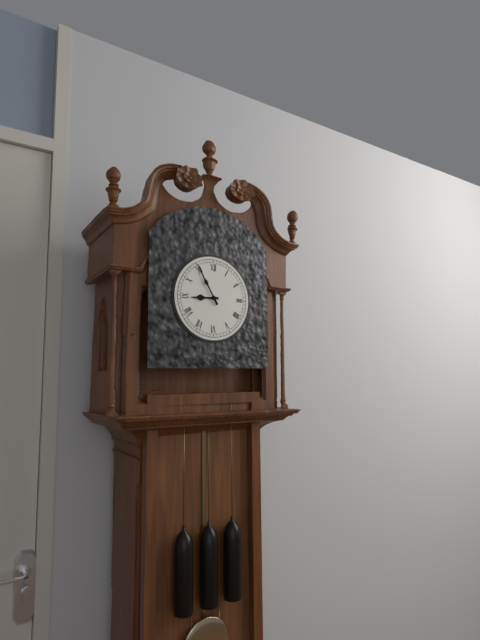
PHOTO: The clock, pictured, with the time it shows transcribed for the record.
8:55
